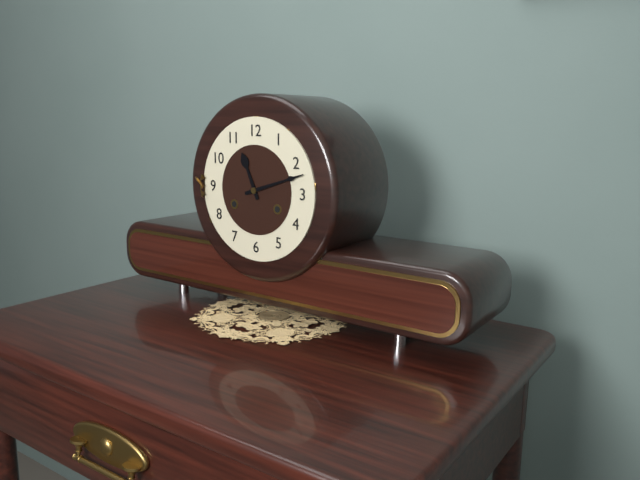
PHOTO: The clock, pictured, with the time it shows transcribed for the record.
11:12
